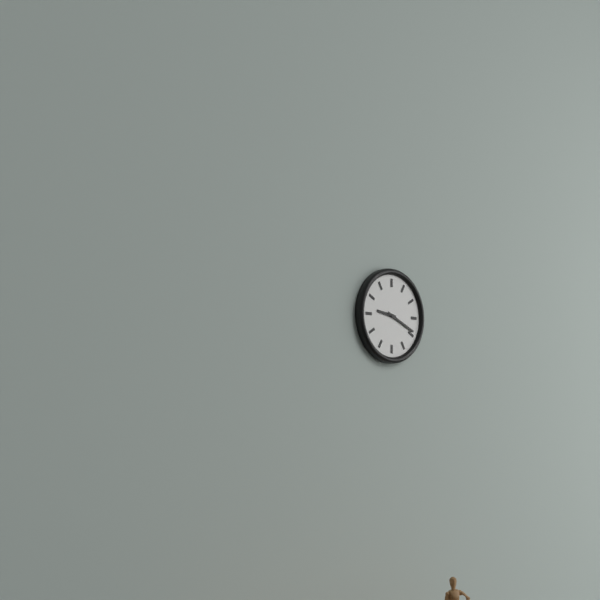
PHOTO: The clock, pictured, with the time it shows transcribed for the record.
9:19
